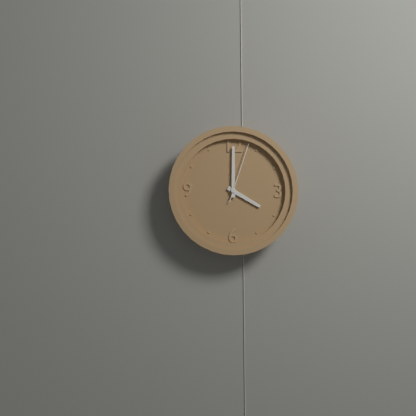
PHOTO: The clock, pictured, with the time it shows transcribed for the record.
4:00:03
